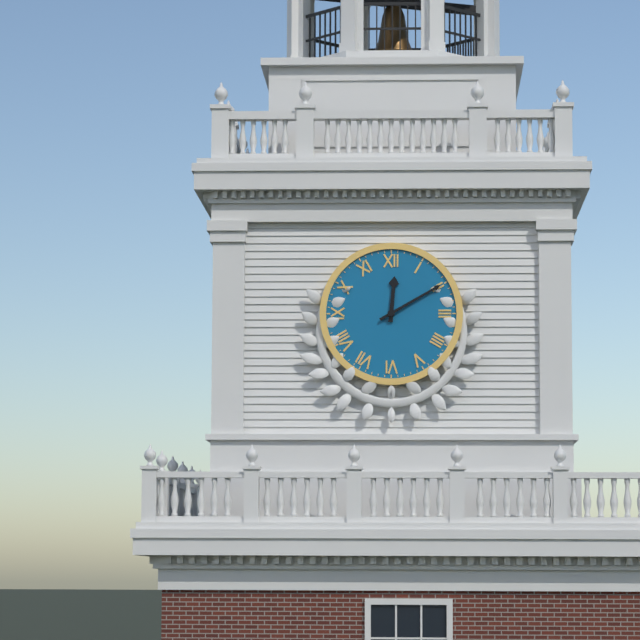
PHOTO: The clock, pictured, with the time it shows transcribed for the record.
12:10
